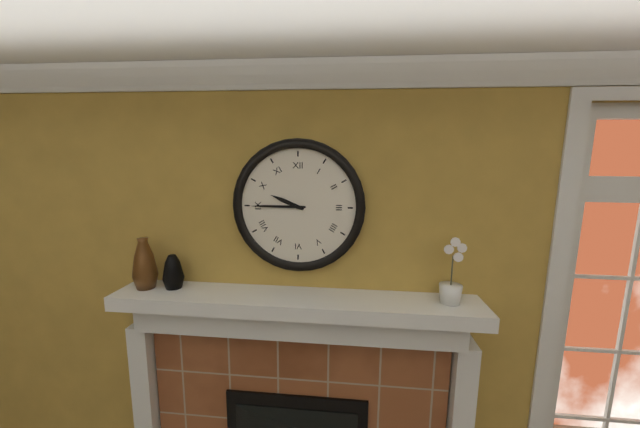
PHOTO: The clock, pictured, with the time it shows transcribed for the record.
9:45
